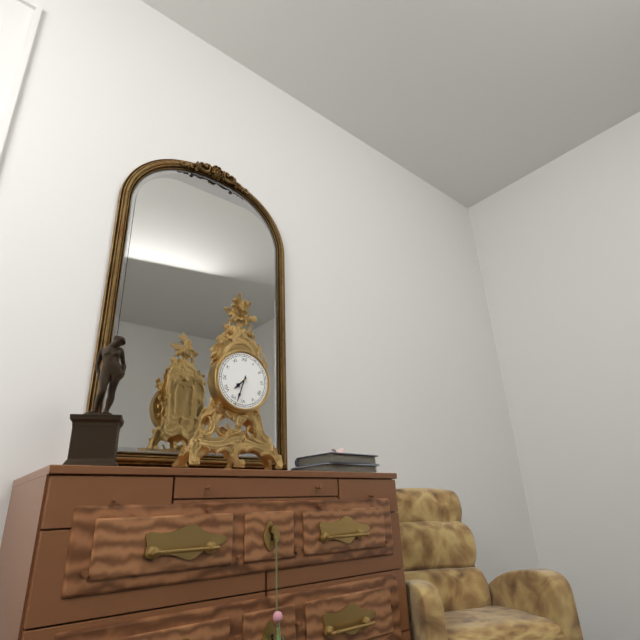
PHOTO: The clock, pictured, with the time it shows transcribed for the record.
7:33
